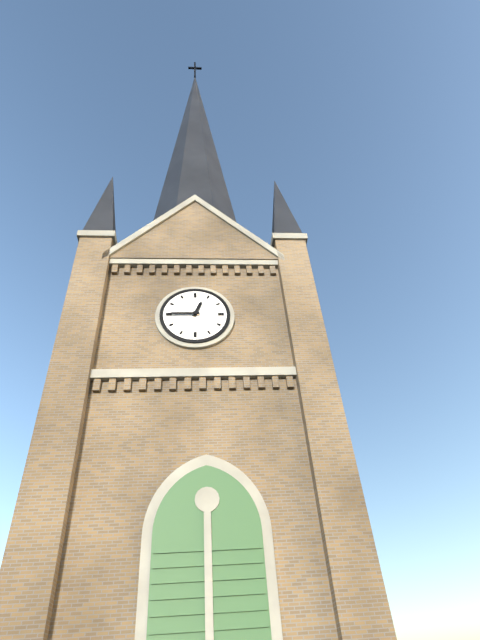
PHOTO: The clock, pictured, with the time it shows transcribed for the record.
12:45
